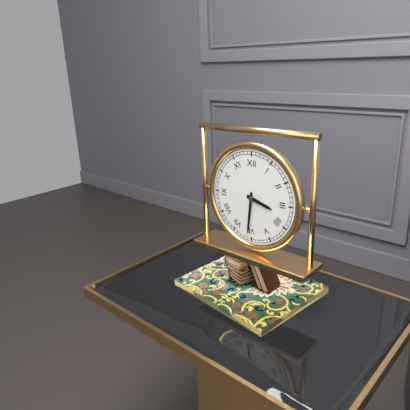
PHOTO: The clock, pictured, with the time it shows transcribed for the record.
3:31
